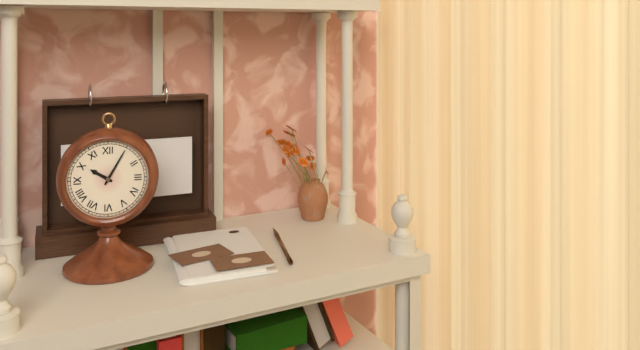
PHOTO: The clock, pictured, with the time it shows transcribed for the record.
10:05
